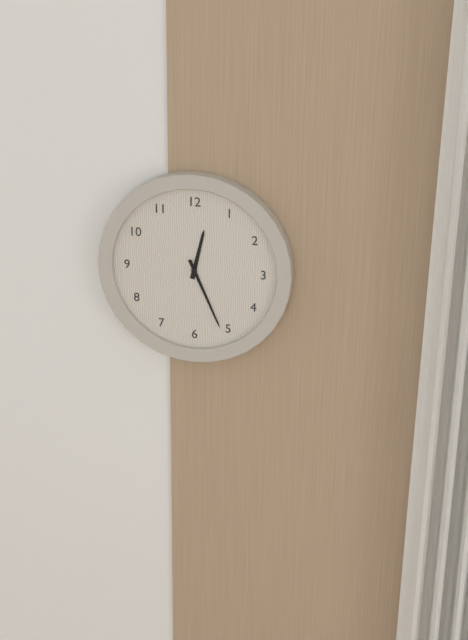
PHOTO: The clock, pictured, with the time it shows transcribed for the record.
12:26
